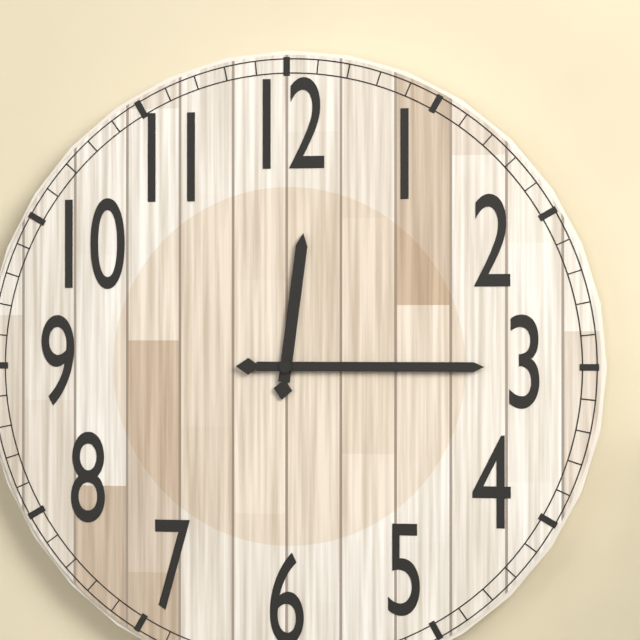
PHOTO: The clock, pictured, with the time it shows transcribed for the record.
12:15
